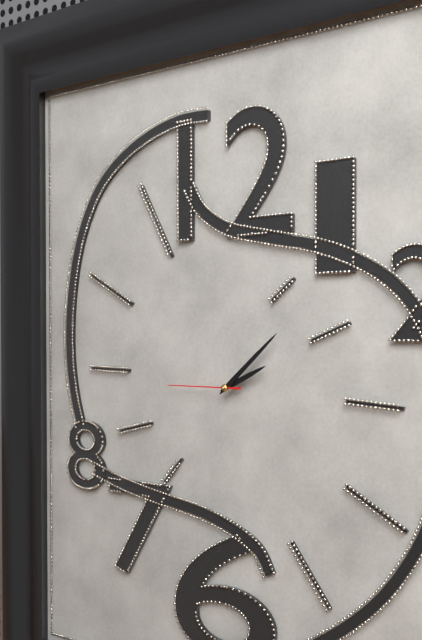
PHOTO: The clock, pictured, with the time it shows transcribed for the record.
2:08:45
